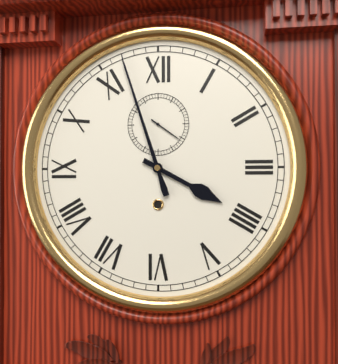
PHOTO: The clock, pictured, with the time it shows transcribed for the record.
3:57
